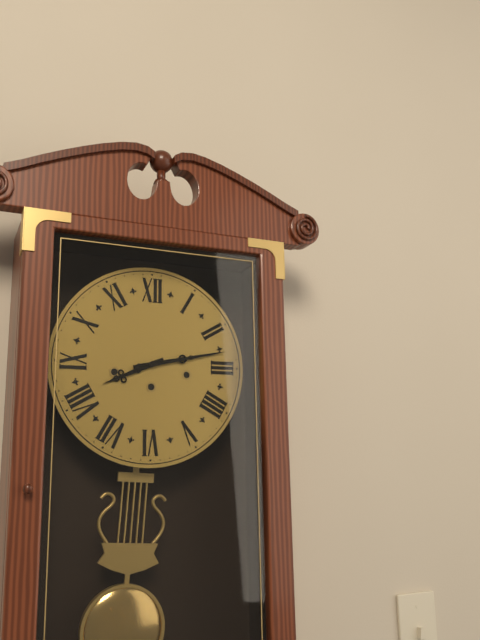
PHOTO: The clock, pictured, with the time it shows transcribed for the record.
8:13
